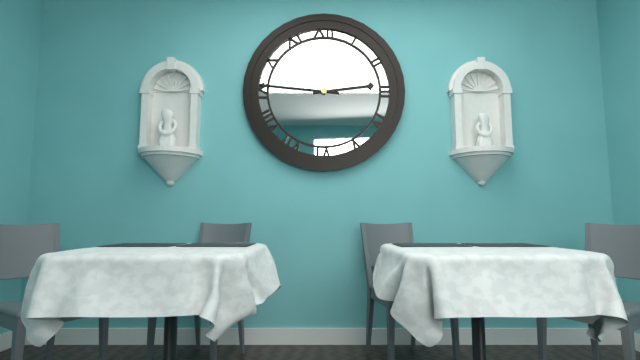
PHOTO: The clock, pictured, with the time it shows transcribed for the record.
2:46
